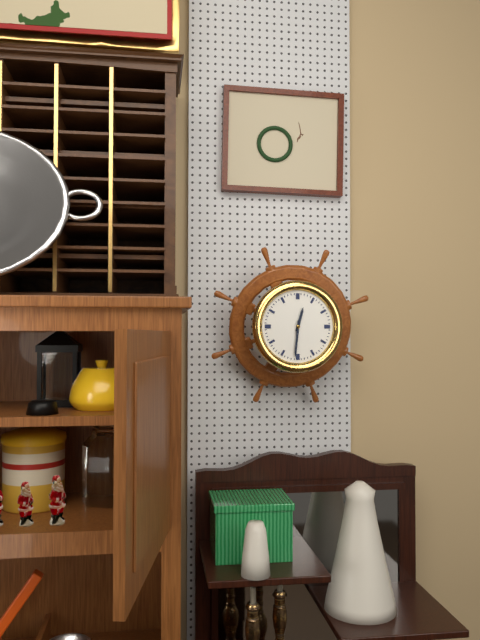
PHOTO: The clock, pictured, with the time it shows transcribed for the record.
12:31
